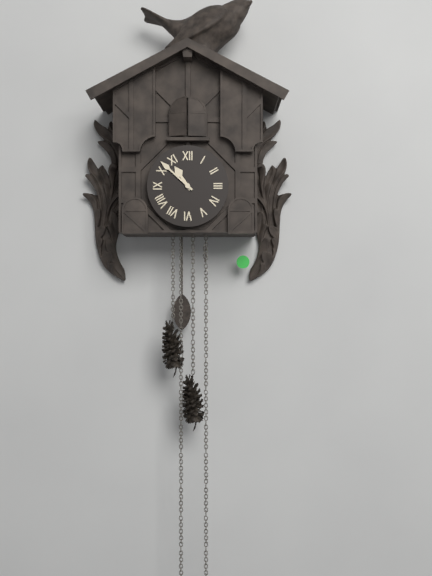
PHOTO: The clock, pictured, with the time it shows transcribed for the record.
10:52
